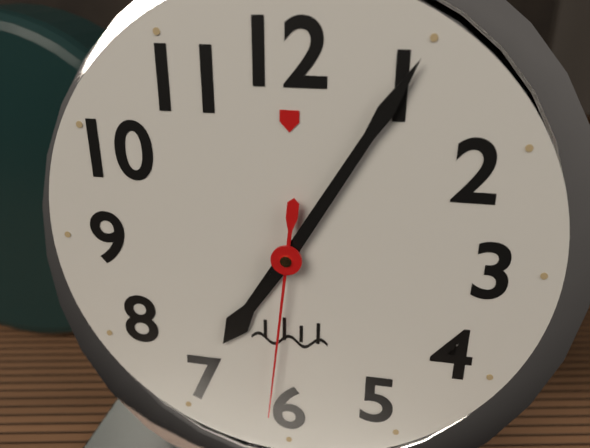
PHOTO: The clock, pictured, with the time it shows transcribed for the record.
7:05:31
